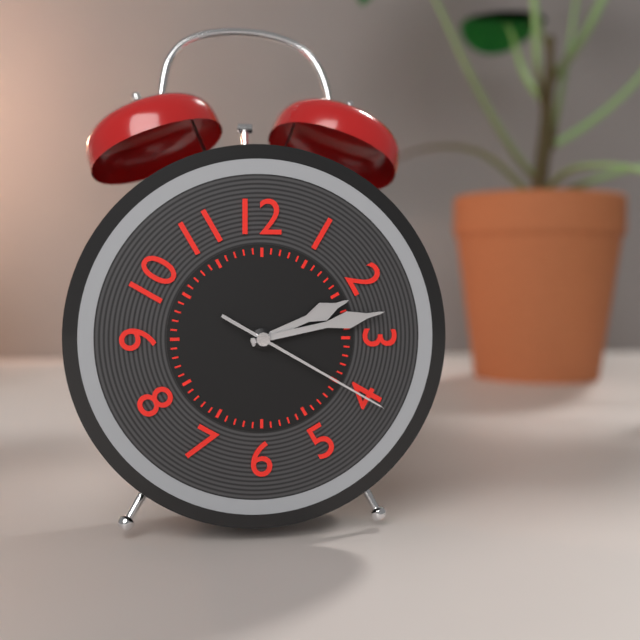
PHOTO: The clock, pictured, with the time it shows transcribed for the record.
2:13:20
